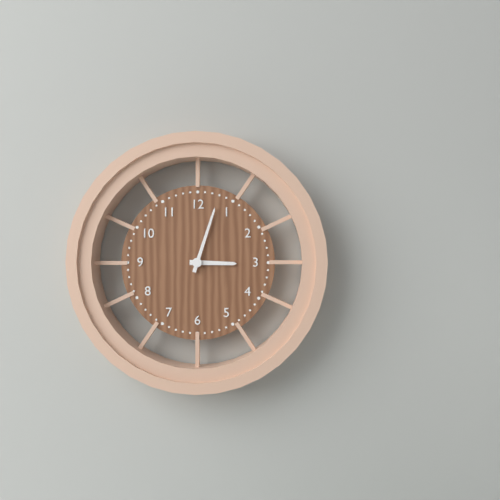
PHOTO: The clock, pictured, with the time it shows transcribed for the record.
3:03
